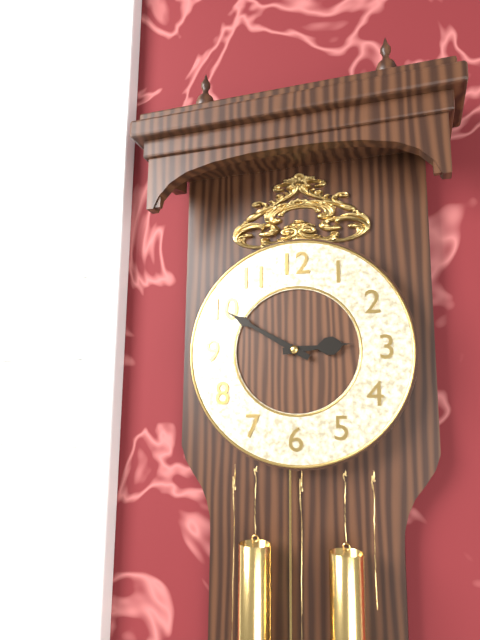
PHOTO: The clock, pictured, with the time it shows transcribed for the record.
2:50
